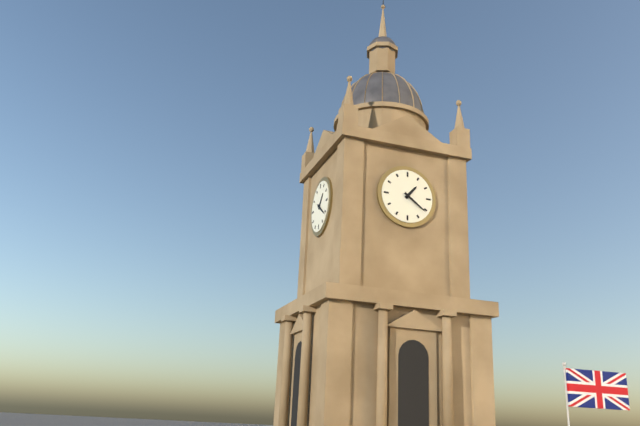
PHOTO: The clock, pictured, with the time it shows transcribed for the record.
1:21
